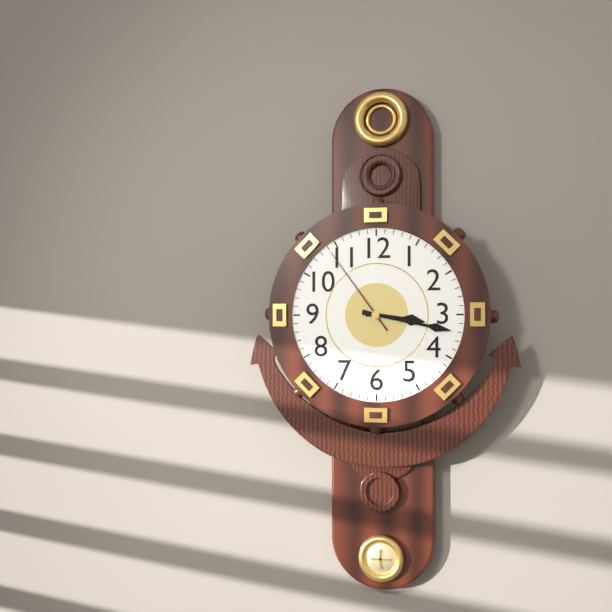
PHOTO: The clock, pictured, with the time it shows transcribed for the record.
3:17:54
